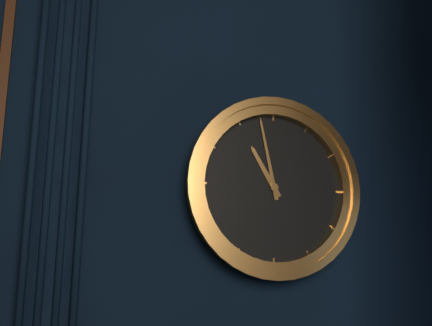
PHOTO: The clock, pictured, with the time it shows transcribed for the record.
10:58
